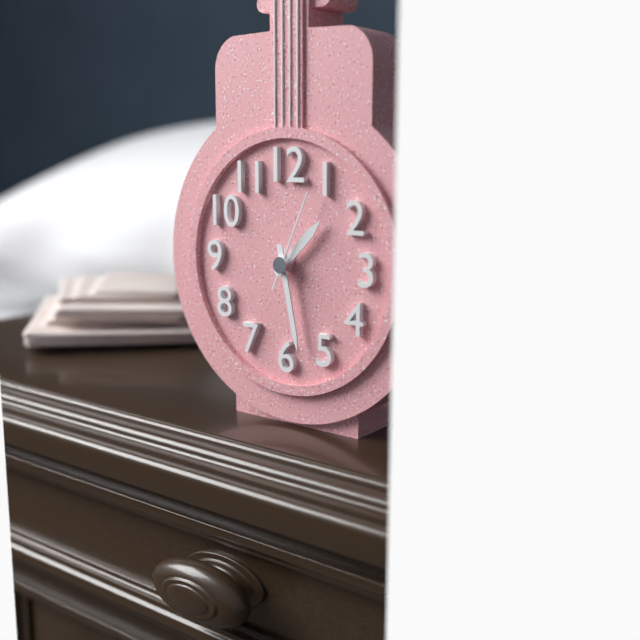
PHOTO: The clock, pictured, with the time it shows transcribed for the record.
1:28:04
